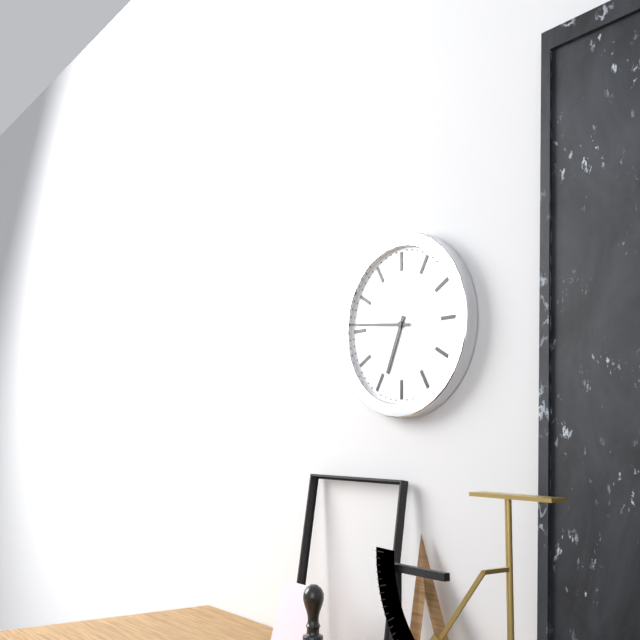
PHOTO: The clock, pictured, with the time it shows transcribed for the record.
6:46
